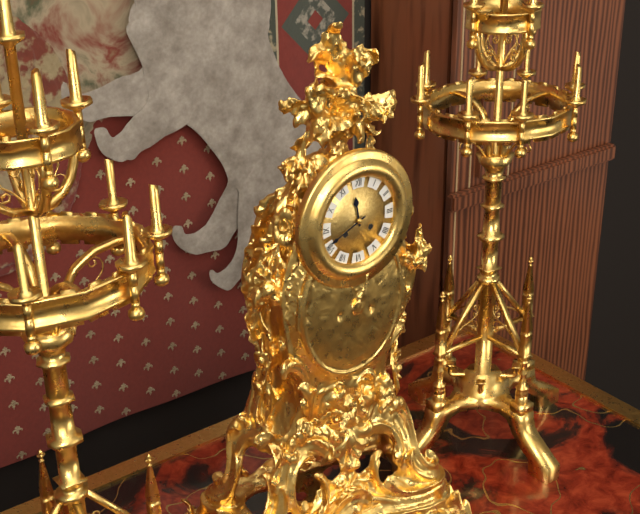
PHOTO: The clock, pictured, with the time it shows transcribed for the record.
11:41
